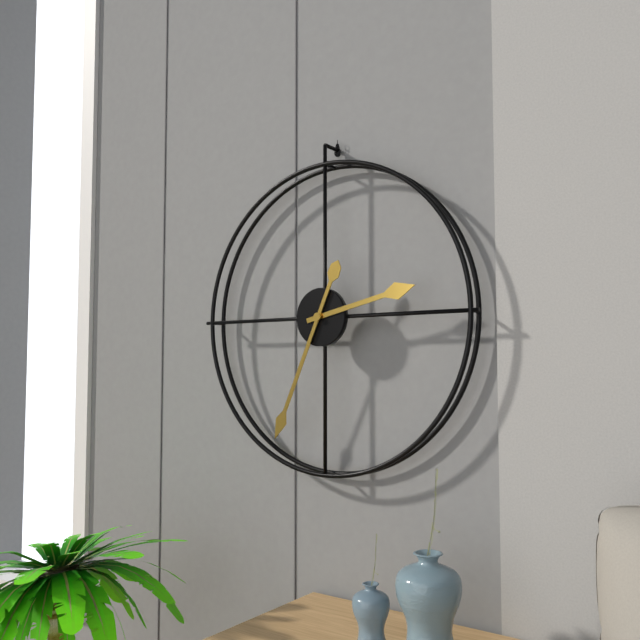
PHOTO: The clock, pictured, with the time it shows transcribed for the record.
2:34
